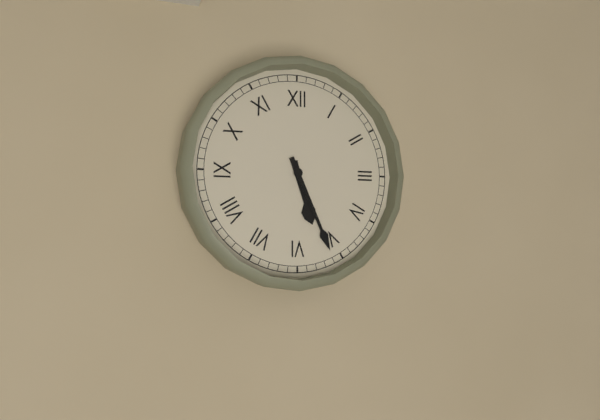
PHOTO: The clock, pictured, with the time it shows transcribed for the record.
5:26
